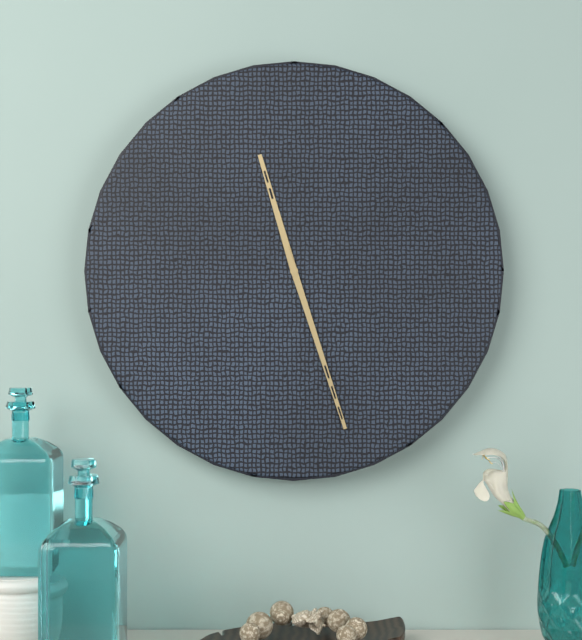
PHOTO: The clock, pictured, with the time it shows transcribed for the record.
11:27
